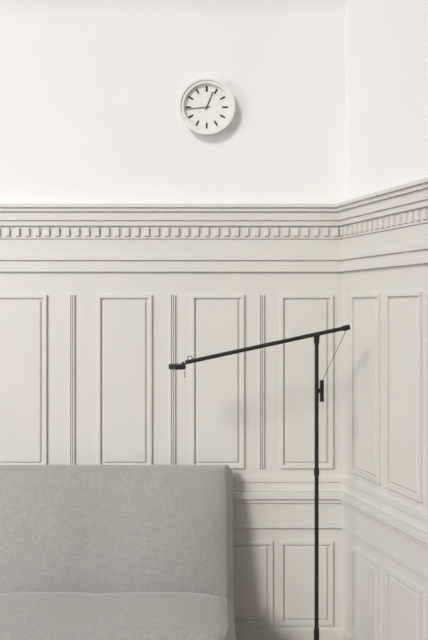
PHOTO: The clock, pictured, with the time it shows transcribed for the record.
12:44
